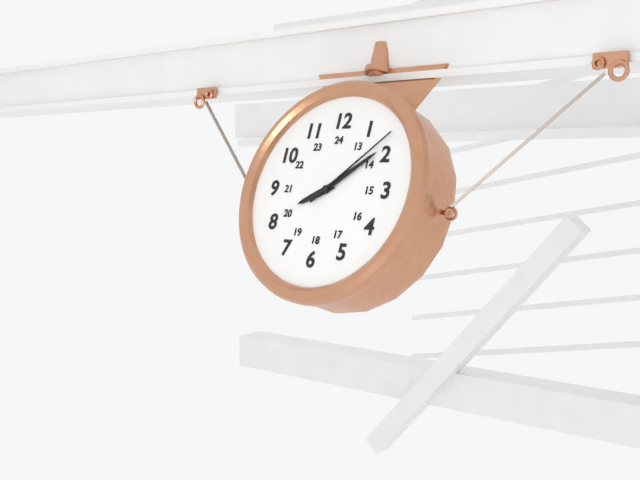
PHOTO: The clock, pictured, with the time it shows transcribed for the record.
8:09:08
